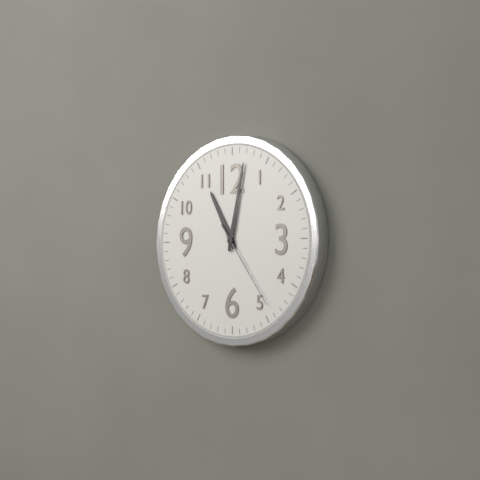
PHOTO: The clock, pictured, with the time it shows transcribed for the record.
11:02:24
